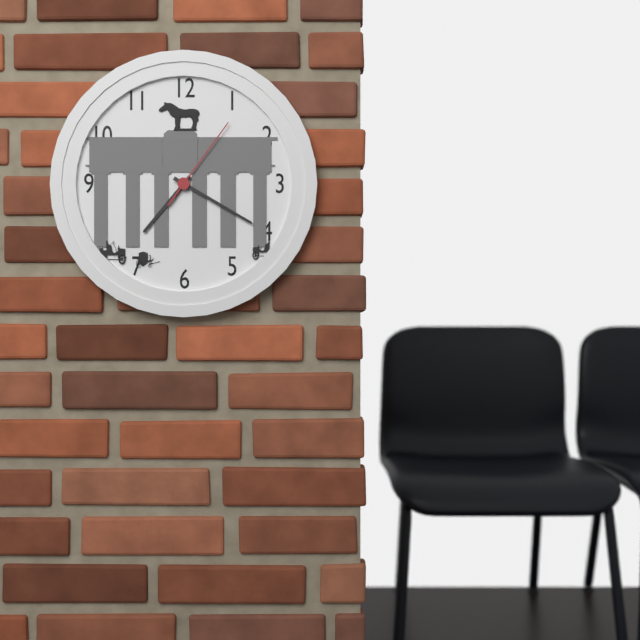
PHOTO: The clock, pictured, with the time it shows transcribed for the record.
7:20:06
